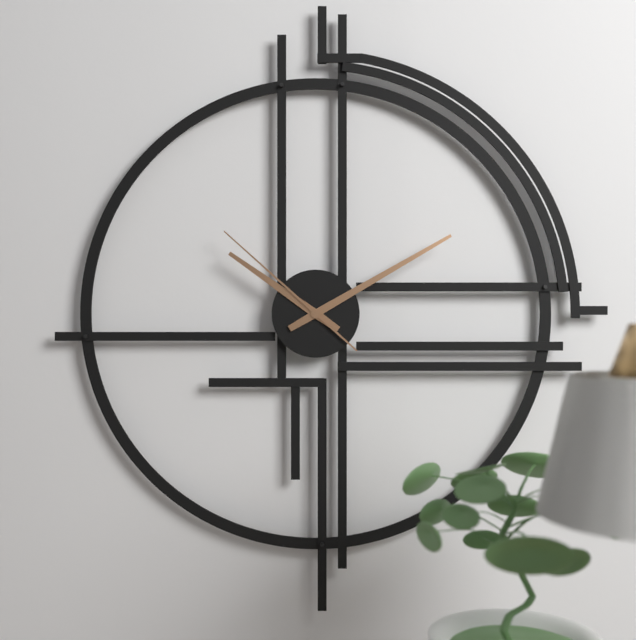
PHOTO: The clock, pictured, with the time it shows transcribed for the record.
10:10:52
